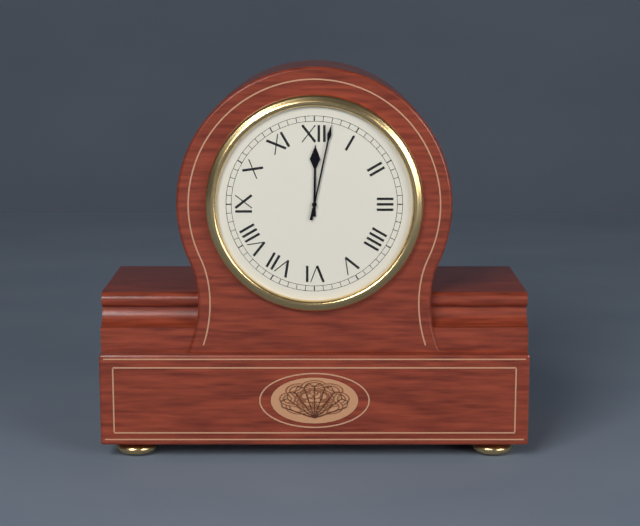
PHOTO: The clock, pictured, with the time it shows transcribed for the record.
12:02
